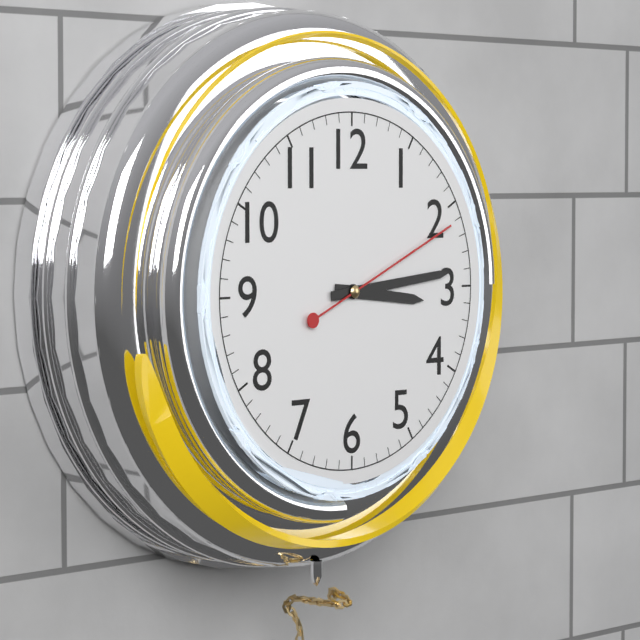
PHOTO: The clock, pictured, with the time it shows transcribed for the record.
3:14:11
